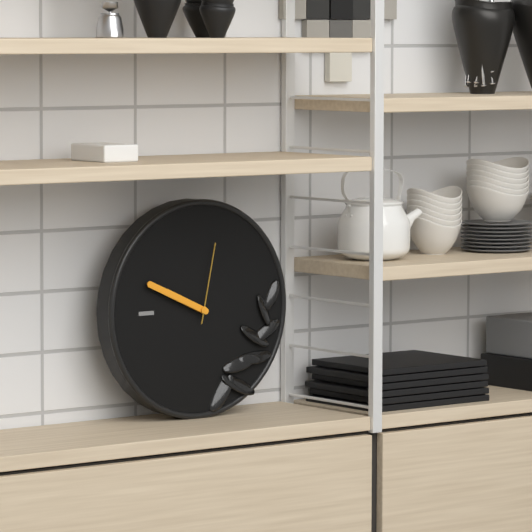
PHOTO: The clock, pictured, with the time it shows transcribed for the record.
9:49:02
